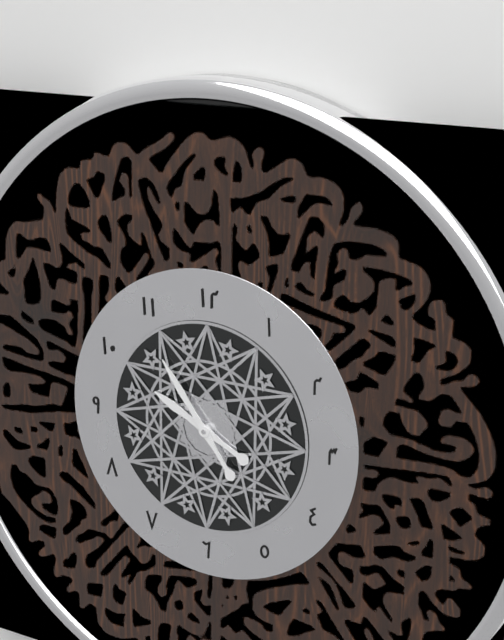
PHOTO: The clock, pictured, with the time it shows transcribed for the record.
9:54
